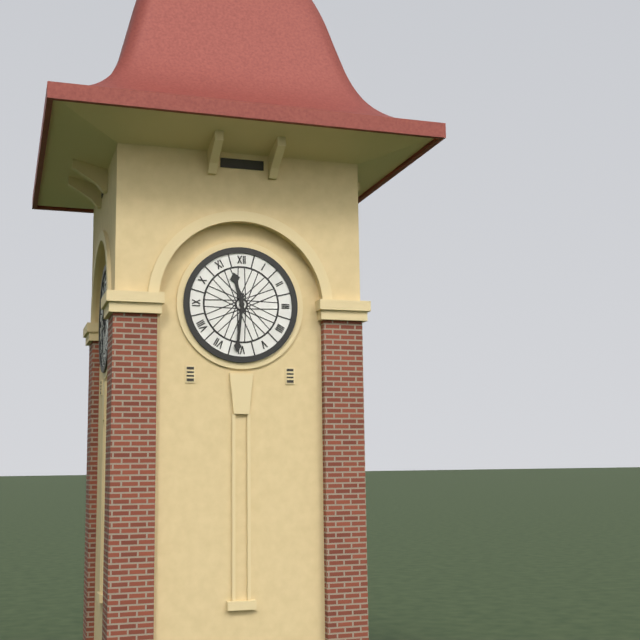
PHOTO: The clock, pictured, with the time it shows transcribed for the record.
11:31
